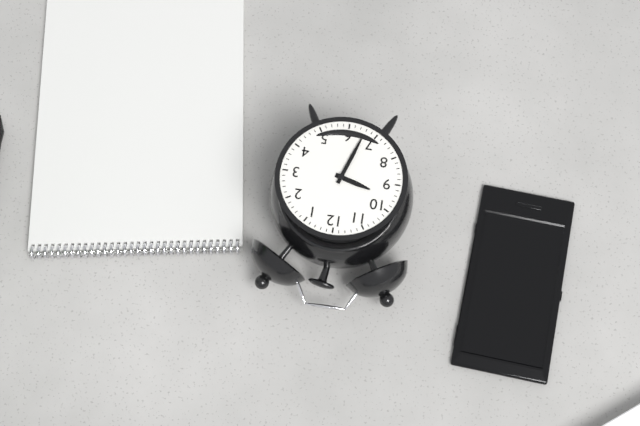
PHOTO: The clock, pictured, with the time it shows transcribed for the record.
9:33
